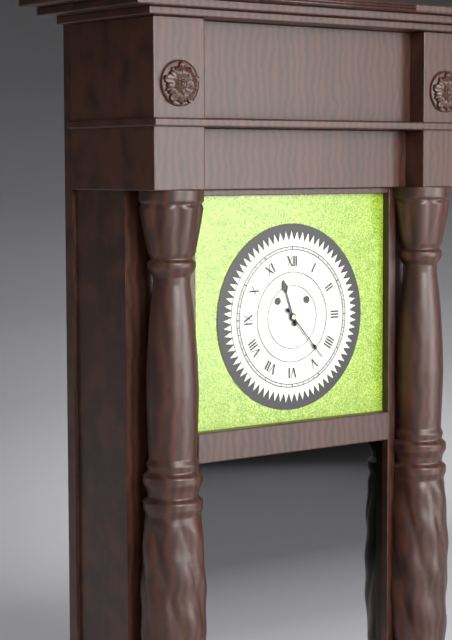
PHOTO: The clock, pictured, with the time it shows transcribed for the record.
11:23
